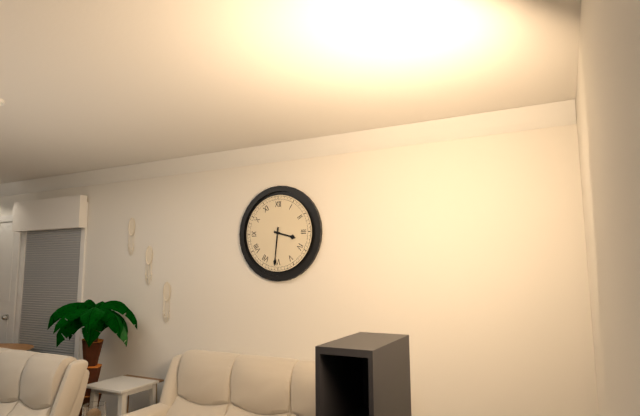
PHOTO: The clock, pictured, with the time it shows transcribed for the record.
3:31
